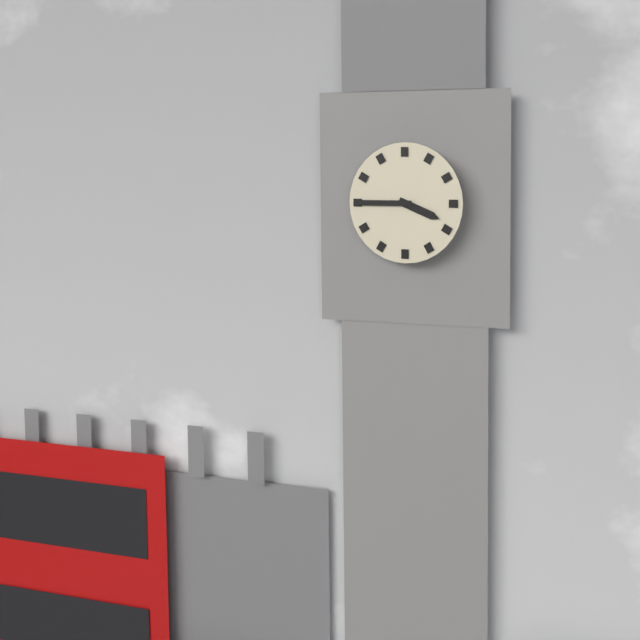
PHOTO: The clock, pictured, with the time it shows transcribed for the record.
3:45
